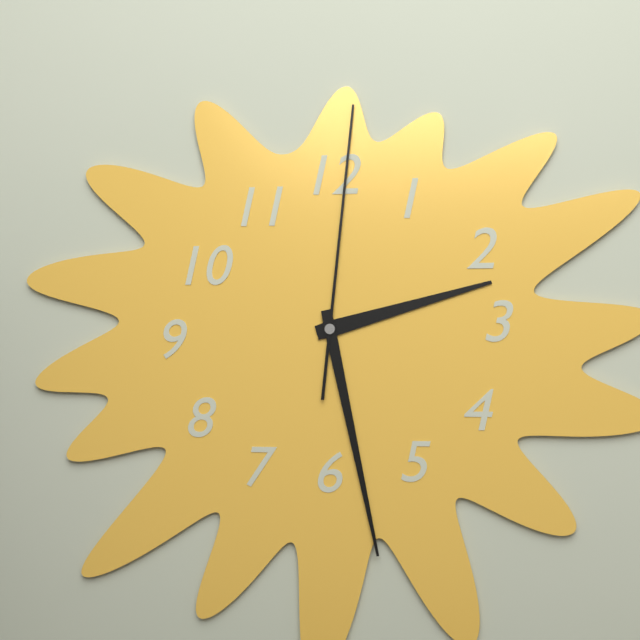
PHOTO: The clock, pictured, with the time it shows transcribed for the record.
2:28:01
